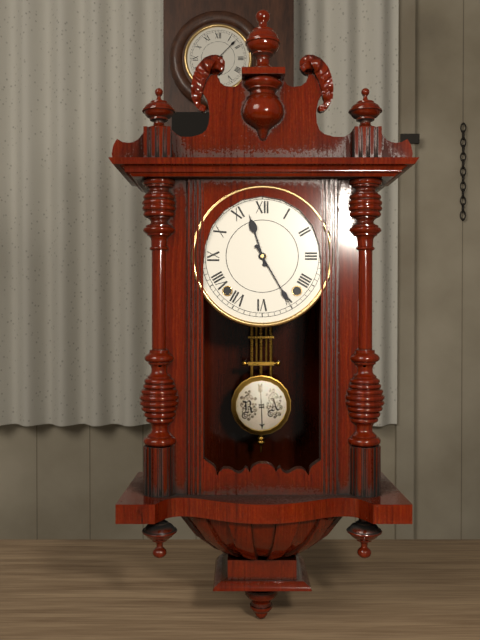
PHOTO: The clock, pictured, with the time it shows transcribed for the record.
11:25
